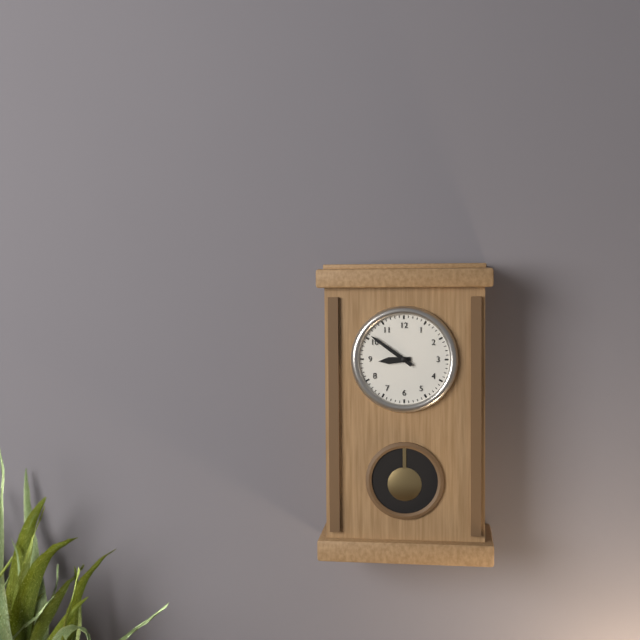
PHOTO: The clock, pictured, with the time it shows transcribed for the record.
8:51
